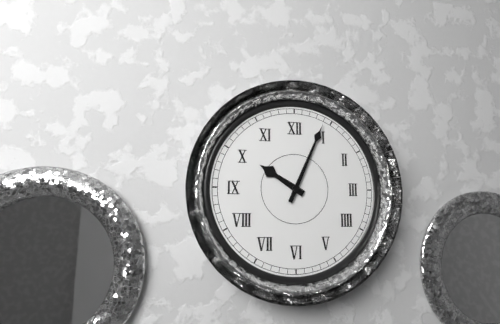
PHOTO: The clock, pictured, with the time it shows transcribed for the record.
10:04
